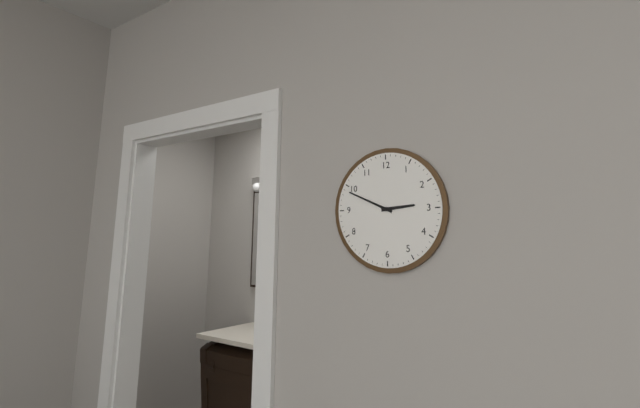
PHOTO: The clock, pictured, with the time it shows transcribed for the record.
2:49
